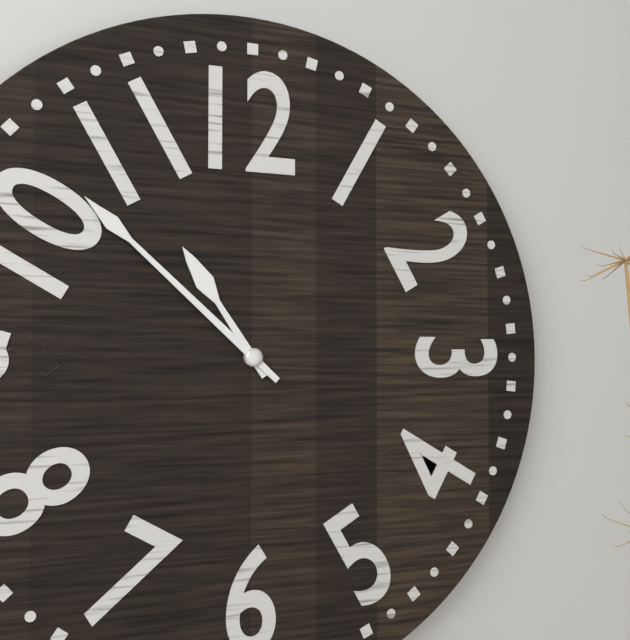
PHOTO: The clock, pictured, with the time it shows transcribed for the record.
10:52
